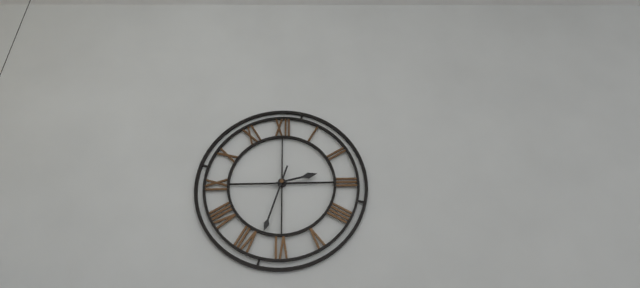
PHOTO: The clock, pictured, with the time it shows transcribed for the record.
2:33
